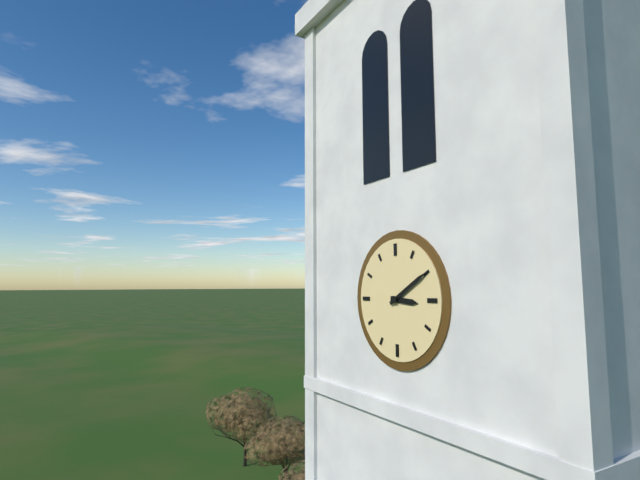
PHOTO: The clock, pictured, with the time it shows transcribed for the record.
3:10
